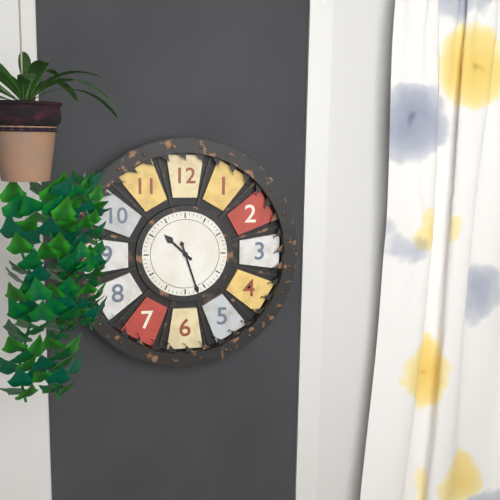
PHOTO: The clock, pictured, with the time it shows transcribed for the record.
10:27
